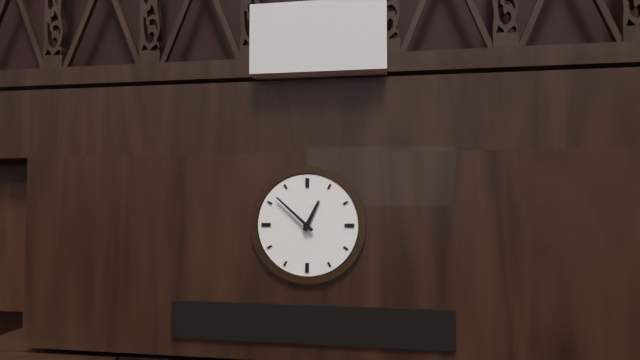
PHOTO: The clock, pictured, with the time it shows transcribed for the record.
12:52
